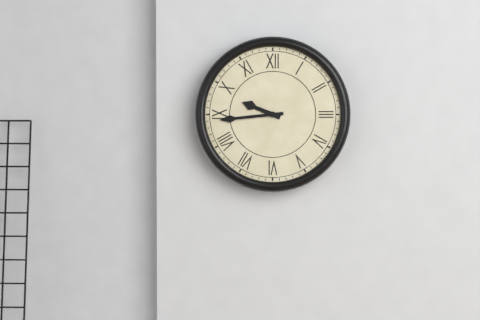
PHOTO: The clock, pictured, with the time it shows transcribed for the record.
9:44
